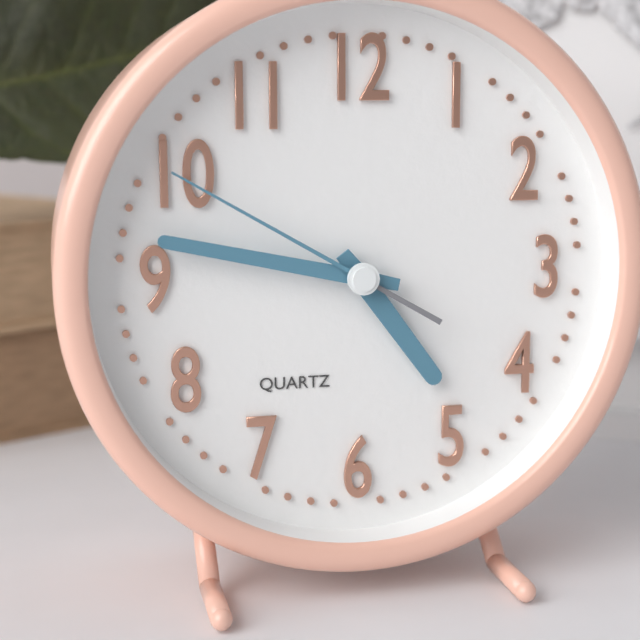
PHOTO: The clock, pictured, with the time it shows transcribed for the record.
4:47:50
